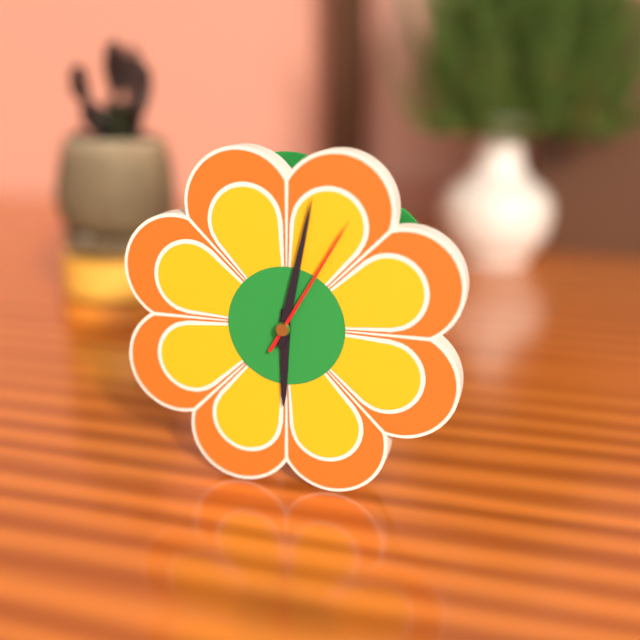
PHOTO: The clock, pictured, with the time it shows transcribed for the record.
6:02:05
